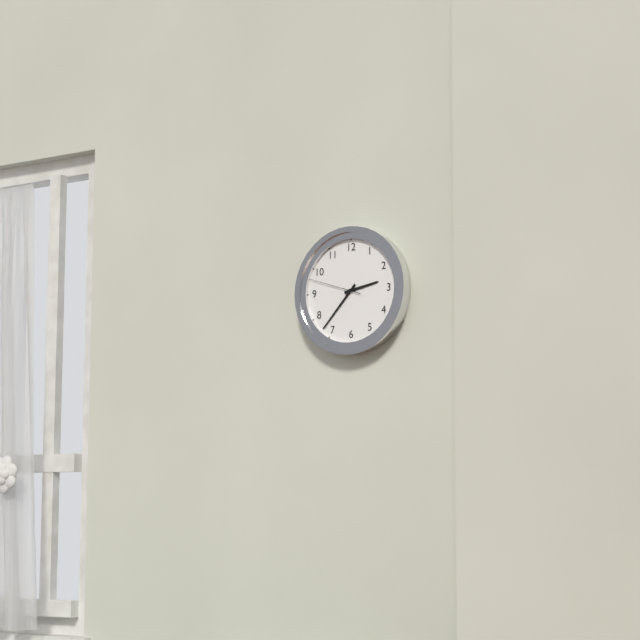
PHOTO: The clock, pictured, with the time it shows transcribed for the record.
2:37:48
